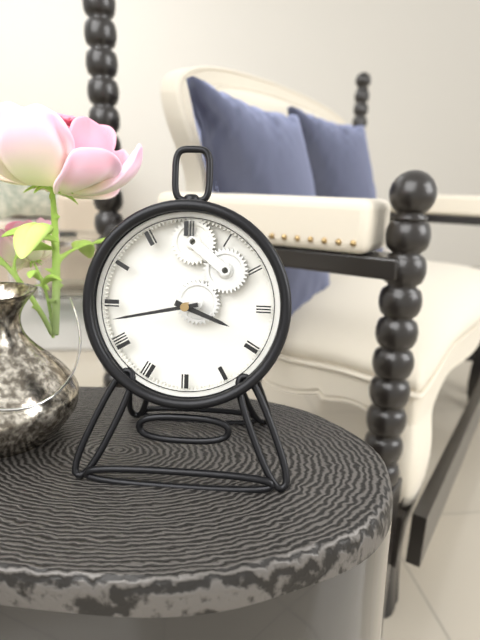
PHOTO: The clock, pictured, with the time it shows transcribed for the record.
3:43
